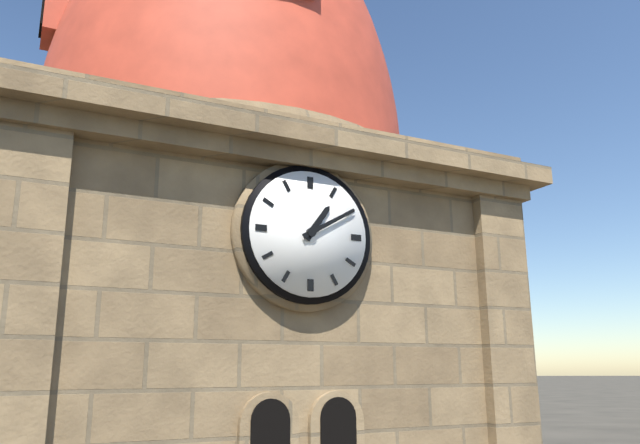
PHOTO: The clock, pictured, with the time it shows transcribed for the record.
1:10
